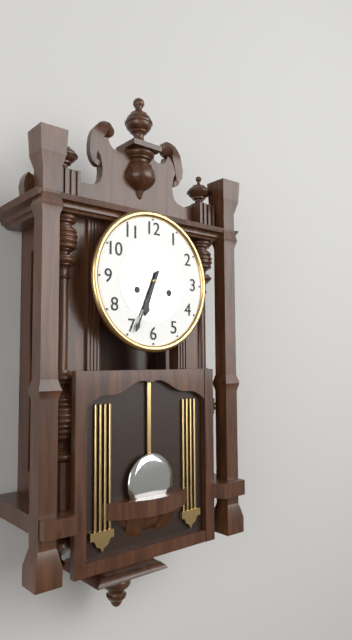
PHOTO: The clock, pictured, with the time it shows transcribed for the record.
6:34
